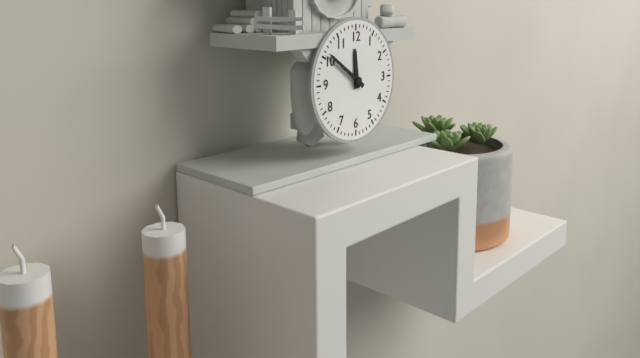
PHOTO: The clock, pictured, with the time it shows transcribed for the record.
11:51
